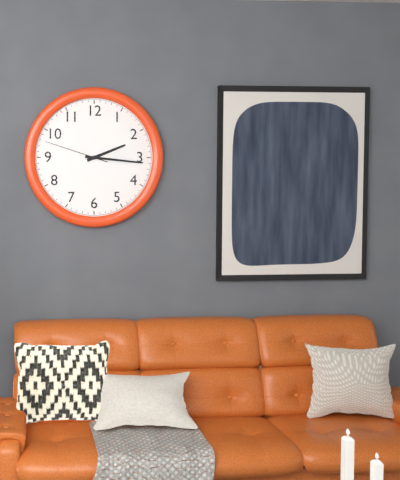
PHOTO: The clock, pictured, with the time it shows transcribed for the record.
2:16:48
